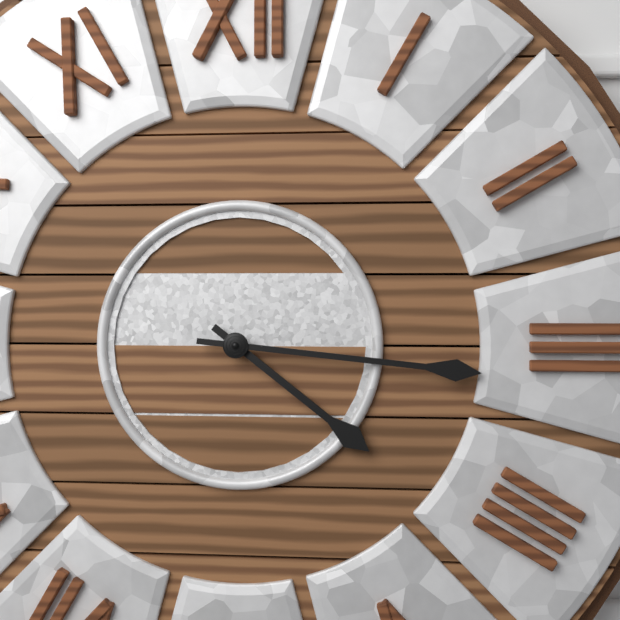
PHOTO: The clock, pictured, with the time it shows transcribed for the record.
4:16
